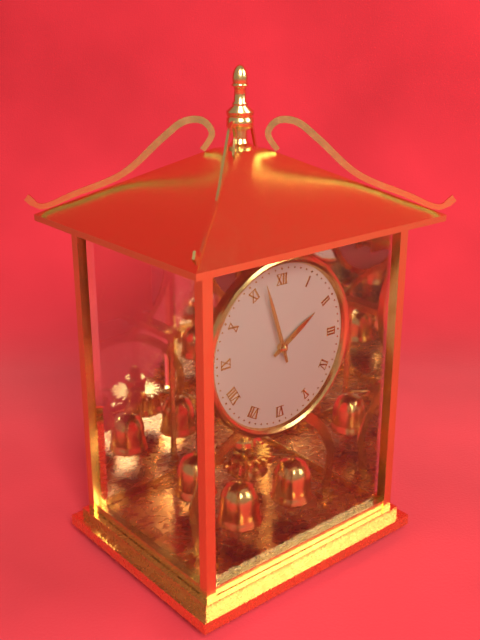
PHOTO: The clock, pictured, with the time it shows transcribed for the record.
1:57
